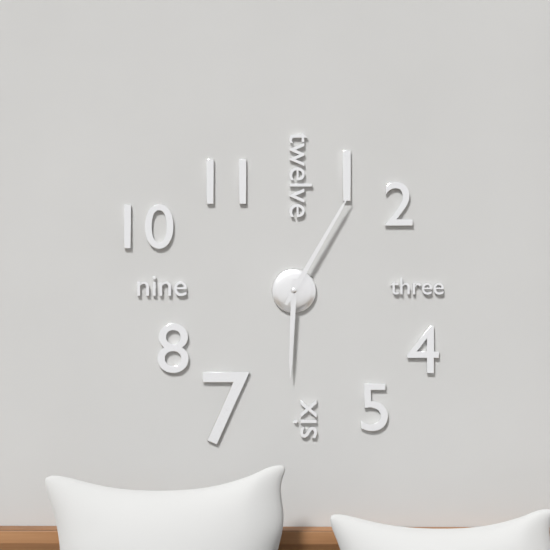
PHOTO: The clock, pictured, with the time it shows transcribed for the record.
6:05
